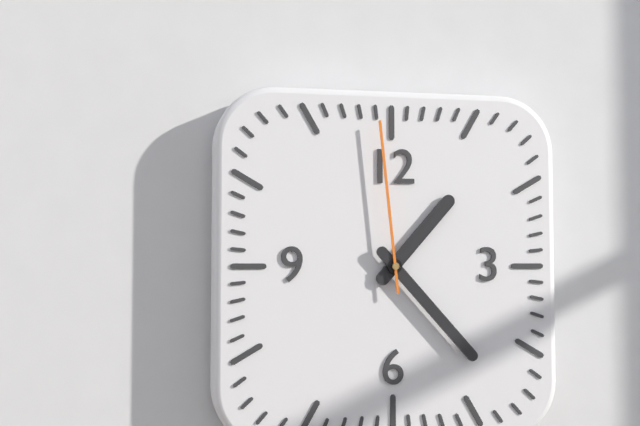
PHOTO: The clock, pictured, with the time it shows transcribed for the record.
1:23:59
